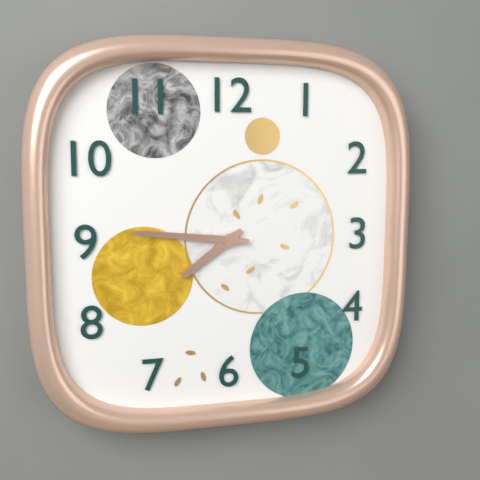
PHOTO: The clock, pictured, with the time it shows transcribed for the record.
7:46
